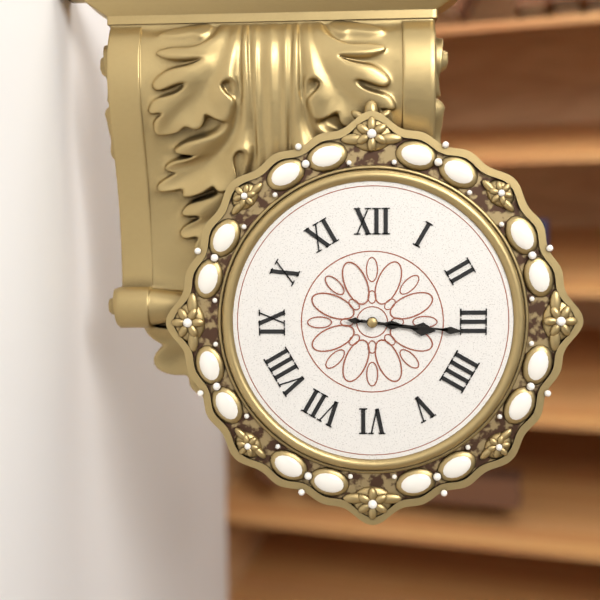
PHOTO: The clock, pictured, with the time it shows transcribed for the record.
3:16
